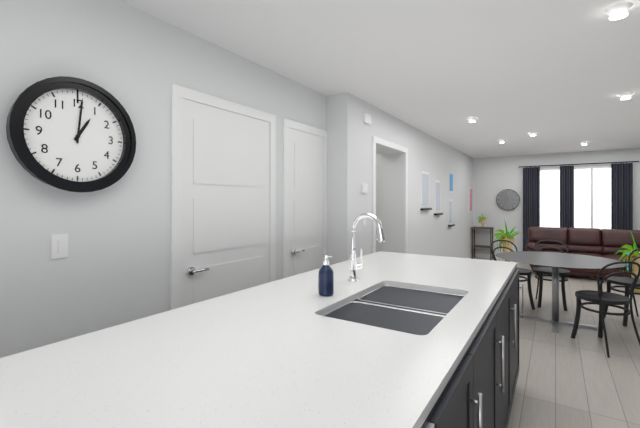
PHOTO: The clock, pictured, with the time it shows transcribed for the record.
1:01
